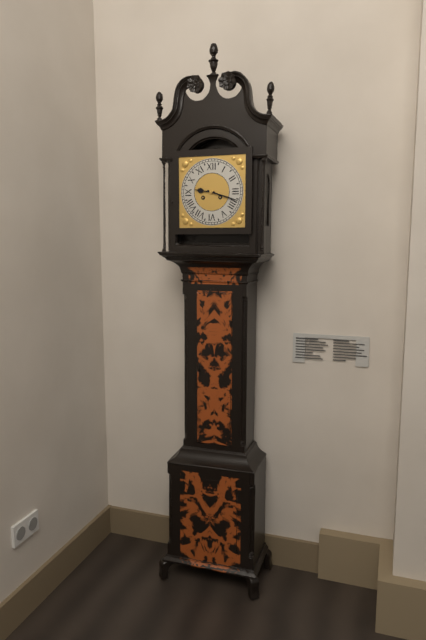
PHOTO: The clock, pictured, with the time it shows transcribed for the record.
9:18
